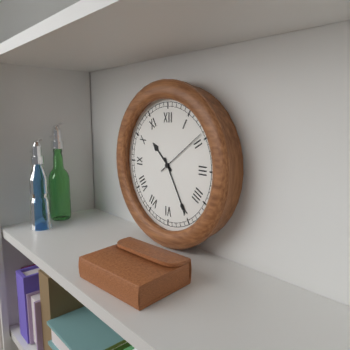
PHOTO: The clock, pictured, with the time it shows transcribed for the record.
10:25:09
